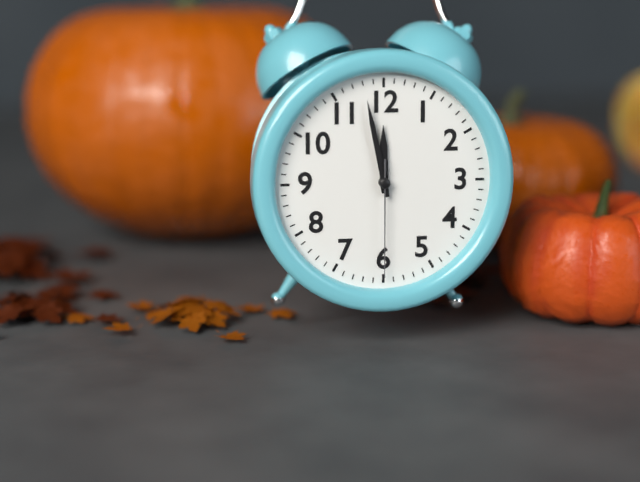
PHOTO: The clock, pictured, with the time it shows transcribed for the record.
11:58:30
